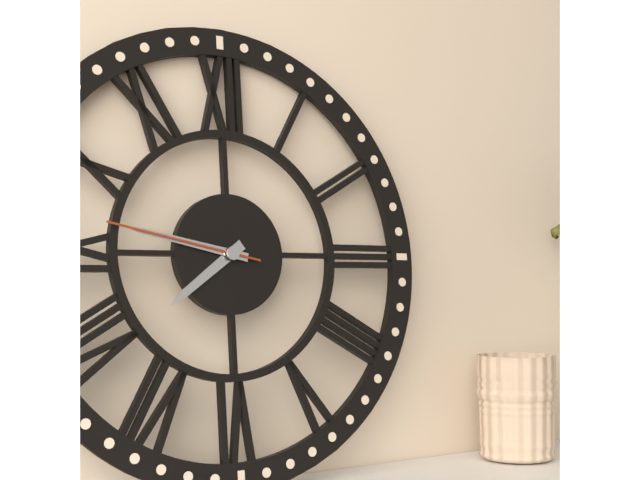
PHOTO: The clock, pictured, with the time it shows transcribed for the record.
7:47:47
